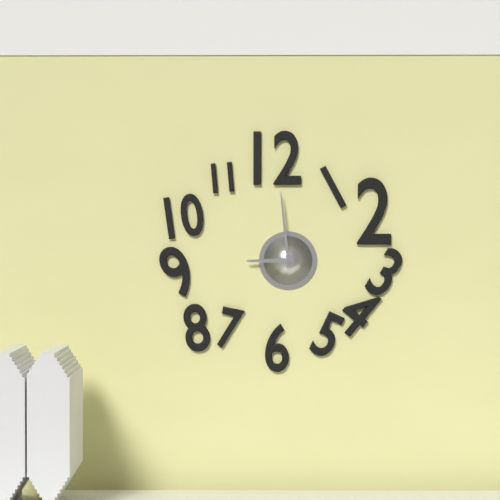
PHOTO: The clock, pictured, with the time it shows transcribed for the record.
8:59
